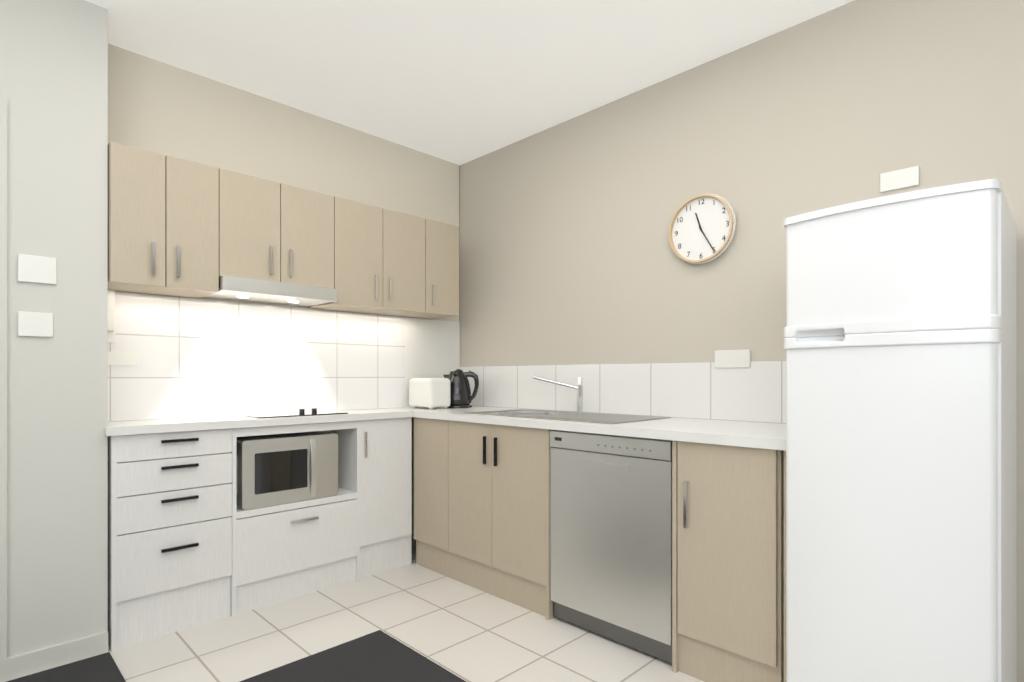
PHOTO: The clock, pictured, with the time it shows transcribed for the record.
11:25
